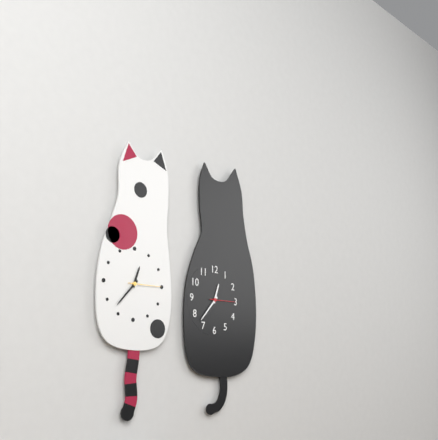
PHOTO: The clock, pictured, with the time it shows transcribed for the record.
12:37
